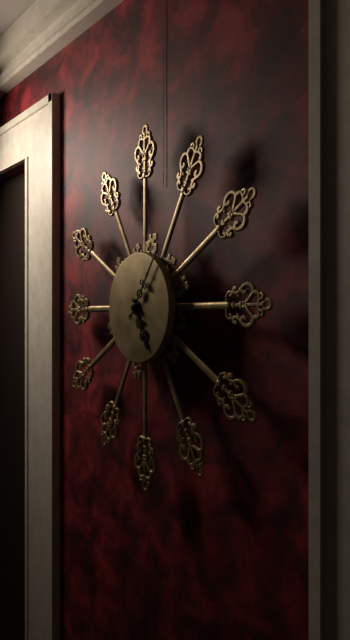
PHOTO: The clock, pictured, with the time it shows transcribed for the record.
5:06
